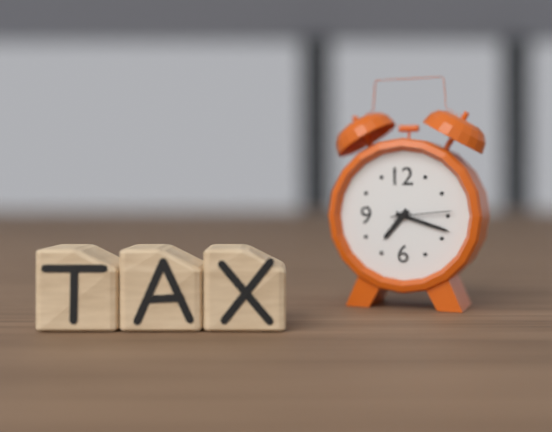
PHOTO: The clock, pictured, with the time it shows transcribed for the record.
7:18:14
